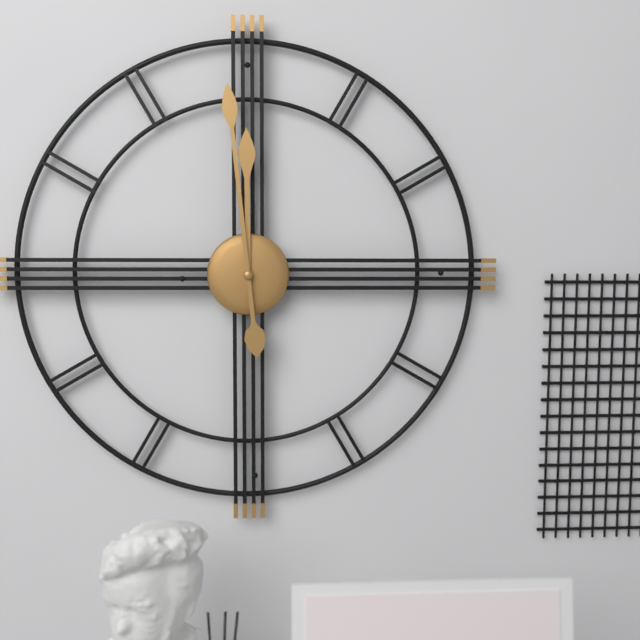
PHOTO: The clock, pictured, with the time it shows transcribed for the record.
11:59
